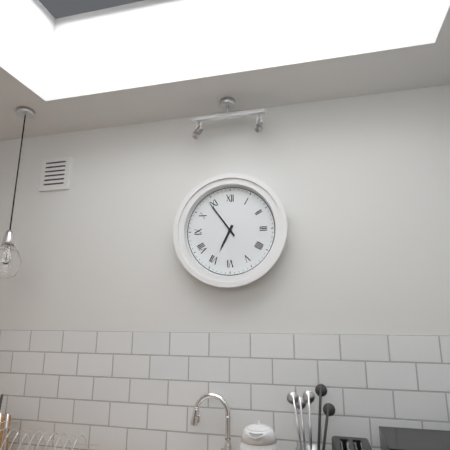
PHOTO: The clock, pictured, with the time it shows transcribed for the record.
6:54
